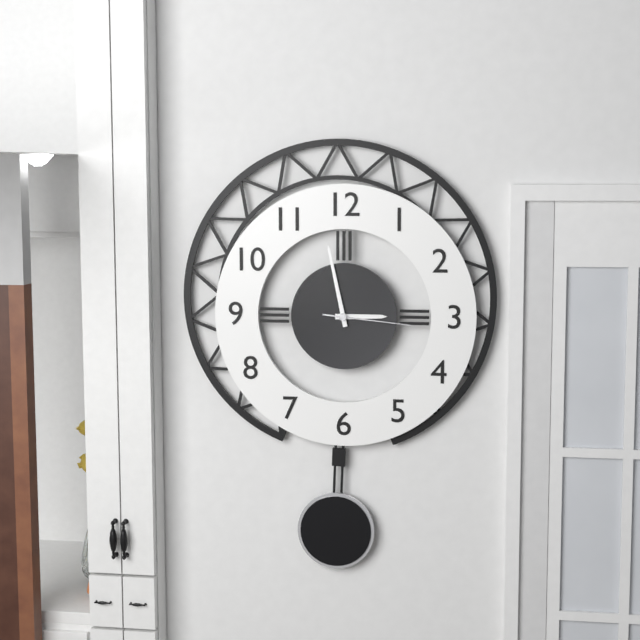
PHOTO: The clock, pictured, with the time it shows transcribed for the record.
2:58:16
